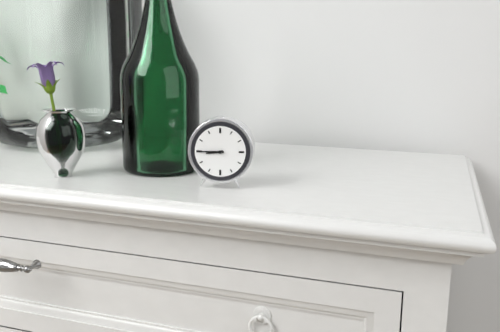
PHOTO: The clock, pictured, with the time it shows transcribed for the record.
8:45
